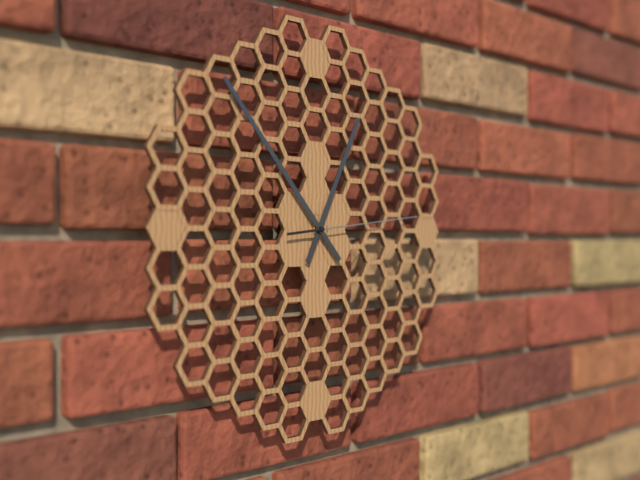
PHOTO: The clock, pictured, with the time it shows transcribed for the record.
12:53:14
